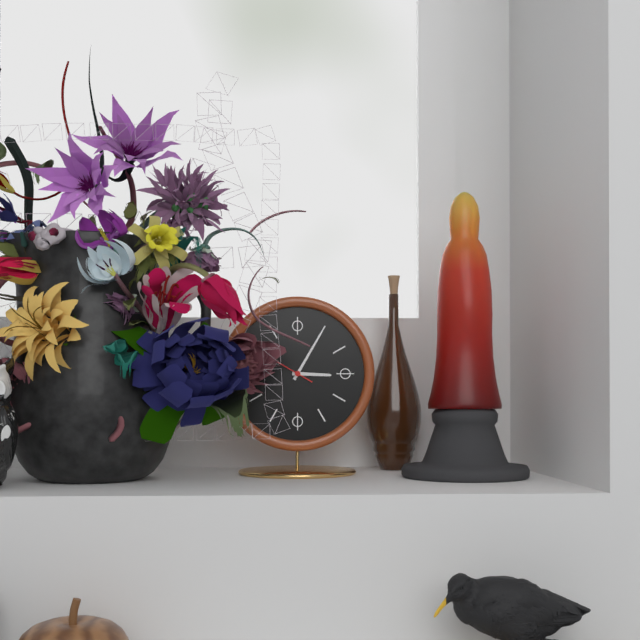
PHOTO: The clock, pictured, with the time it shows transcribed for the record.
3:05
